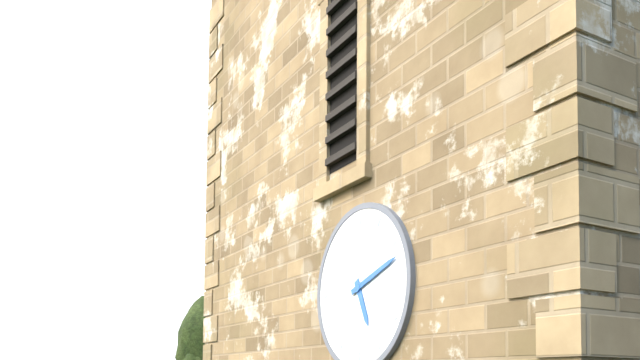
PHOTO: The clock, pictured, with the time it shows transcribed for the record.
5:12
